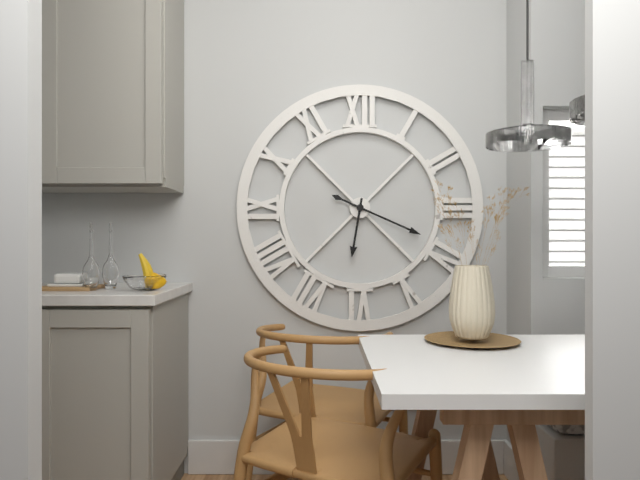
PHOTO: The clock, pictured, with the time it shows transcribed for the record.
6:19
